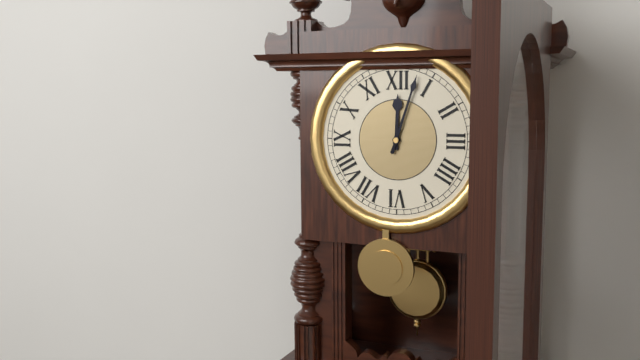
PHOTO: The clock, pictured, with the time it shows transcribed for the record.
12:03
